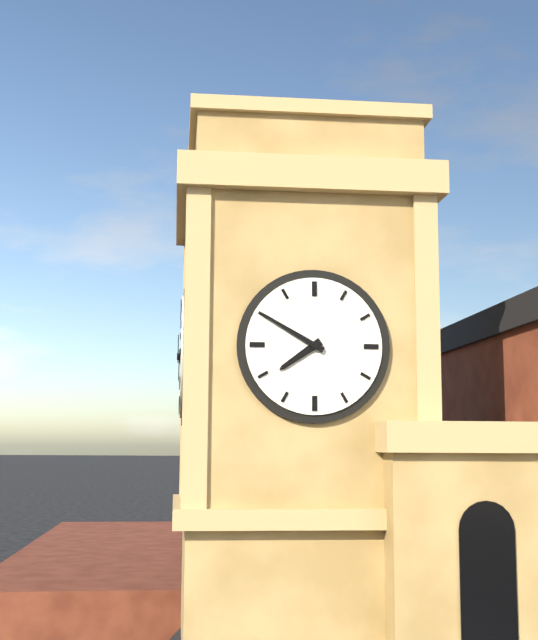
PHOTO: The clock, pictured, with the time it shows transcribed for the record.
7:50
